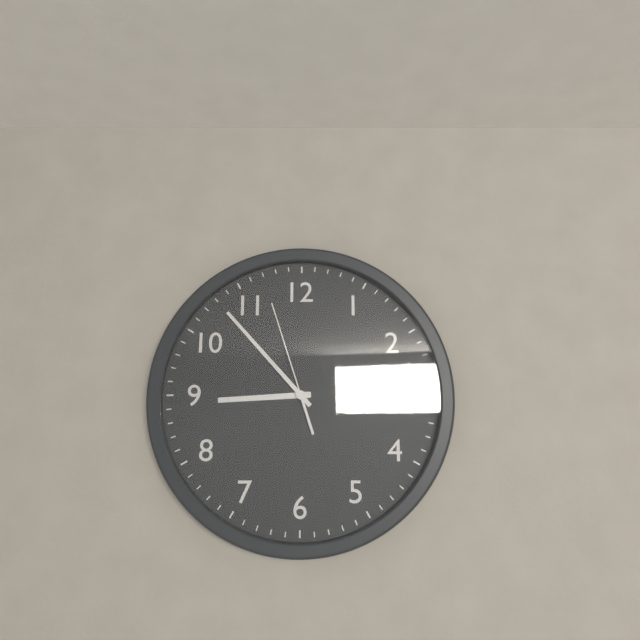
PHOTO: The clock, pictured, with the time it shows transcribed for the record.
8:53:57
